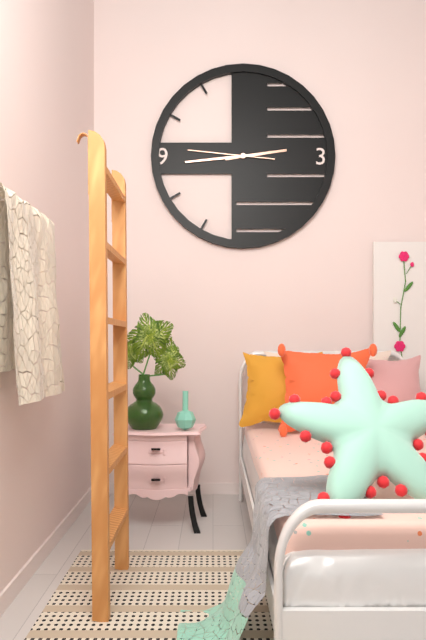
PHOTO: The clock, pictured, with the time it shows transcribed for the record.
2:44:46
